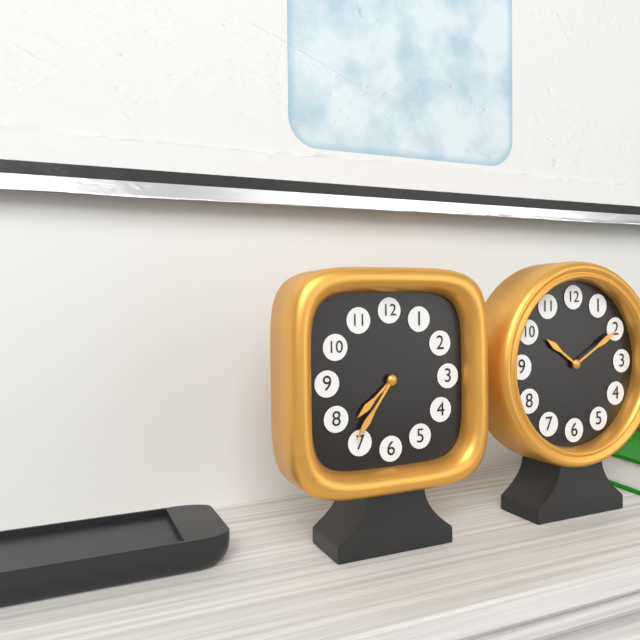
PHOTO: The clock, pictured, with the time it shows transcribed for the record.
7:36
